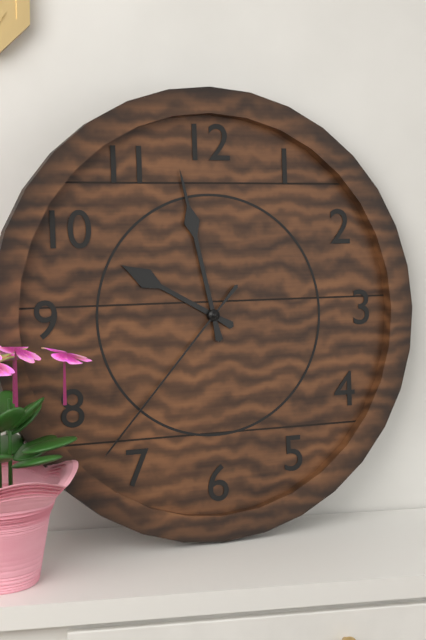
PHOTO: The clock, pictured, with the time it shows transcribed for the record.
9:58:37
